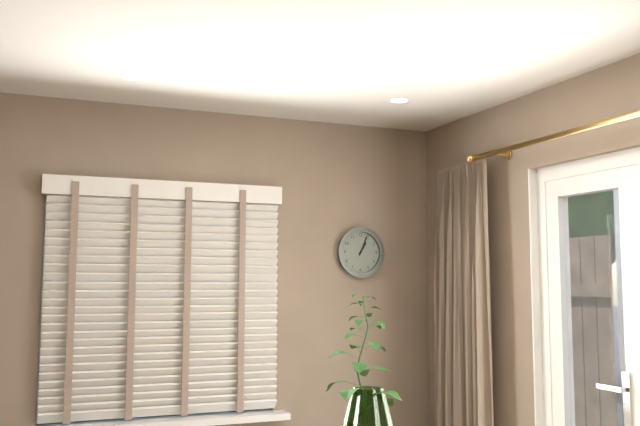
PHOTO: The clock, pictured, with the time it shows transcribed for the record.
1:04
